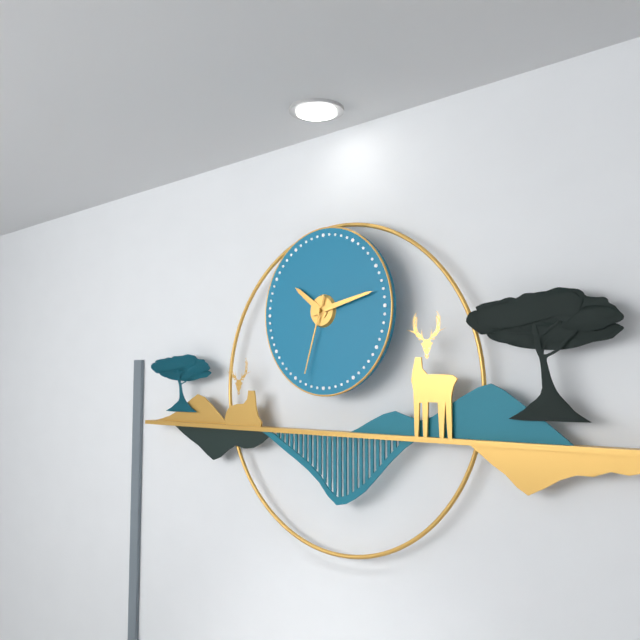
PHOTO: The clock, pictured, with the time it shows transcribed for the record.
10:13:33
